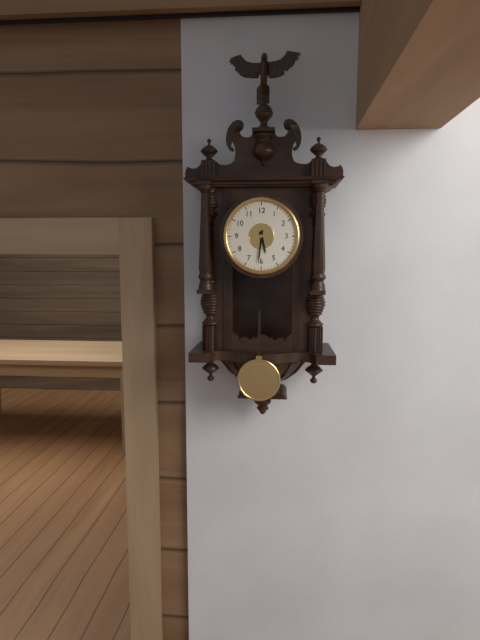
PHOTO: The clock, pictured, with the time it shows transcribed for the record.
5:31
